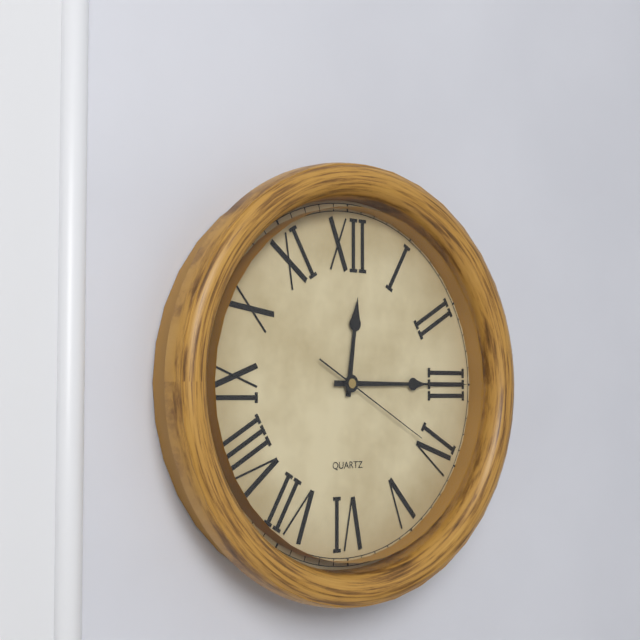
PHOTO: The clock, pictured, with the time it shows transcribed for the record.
12:15:20
